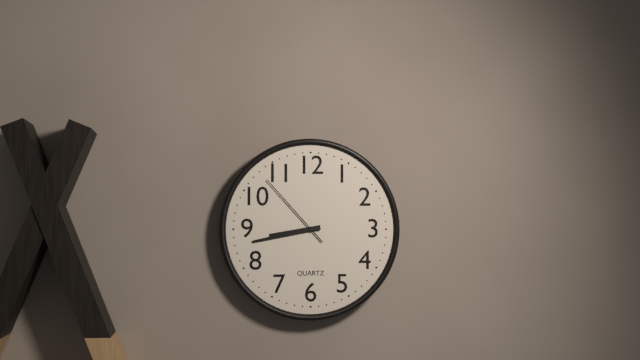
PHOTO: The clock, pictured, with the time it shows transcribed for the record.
8:43:53
